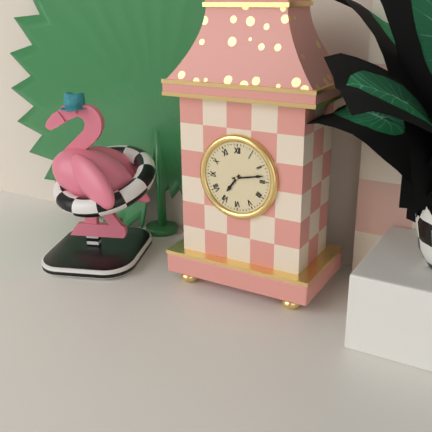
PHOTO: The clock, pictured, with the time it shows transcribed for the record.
7:13
